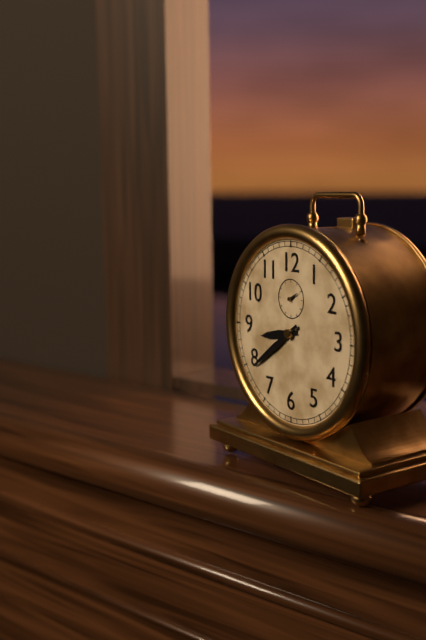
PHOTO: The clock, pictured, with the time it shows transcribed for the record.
8:39
